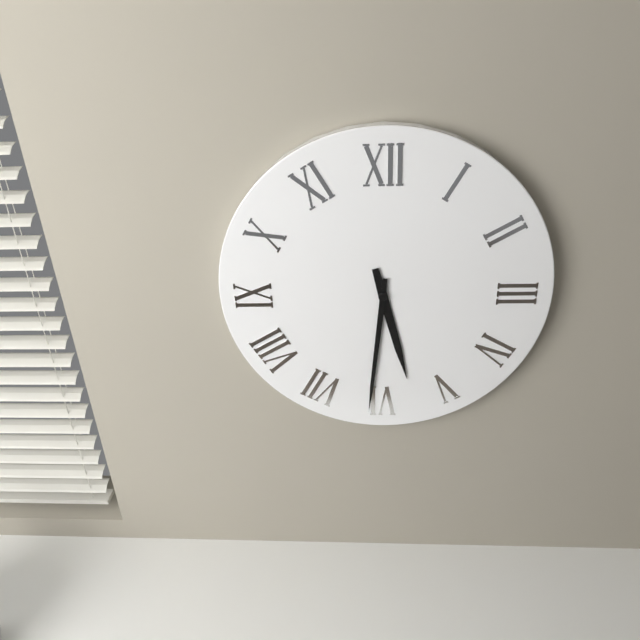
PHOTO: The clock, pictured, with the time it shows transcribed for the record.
5:31
